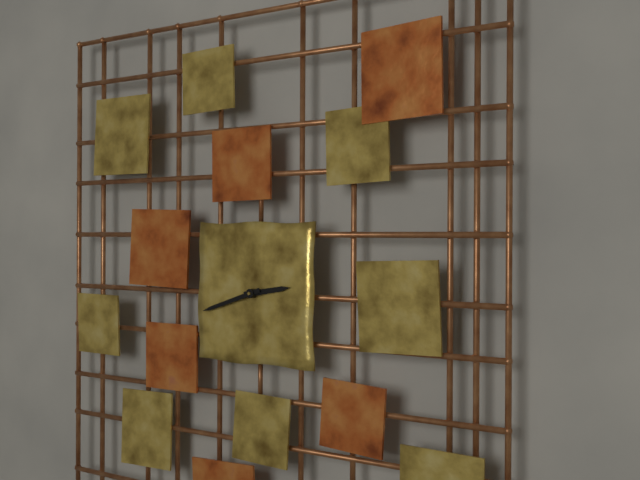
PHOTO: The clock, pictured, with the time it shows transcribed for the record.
2:42
